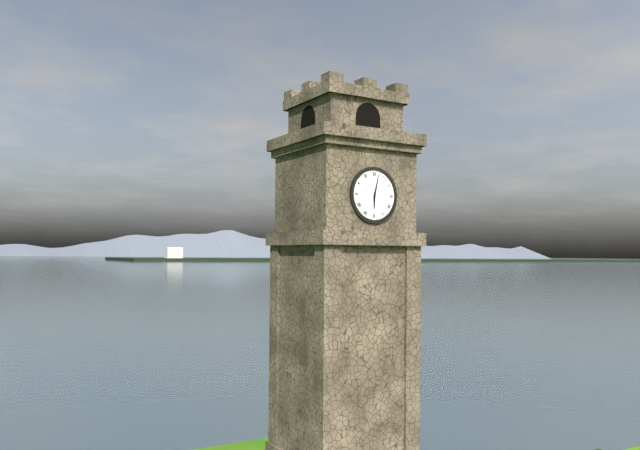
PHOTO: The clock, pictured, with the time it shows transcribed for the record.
6:02
